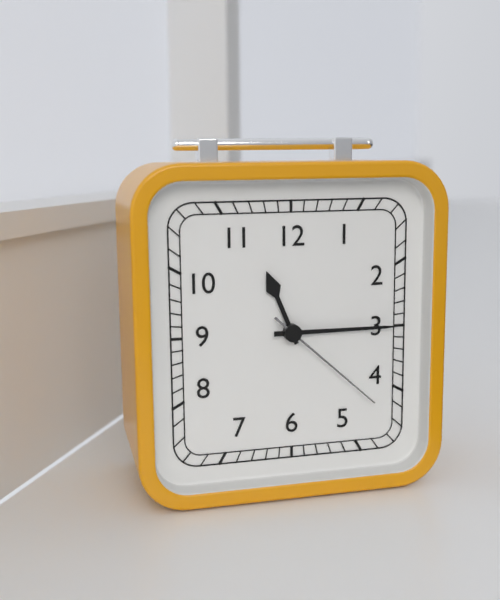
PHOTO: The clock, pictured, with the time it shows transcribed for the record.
11:15:22
